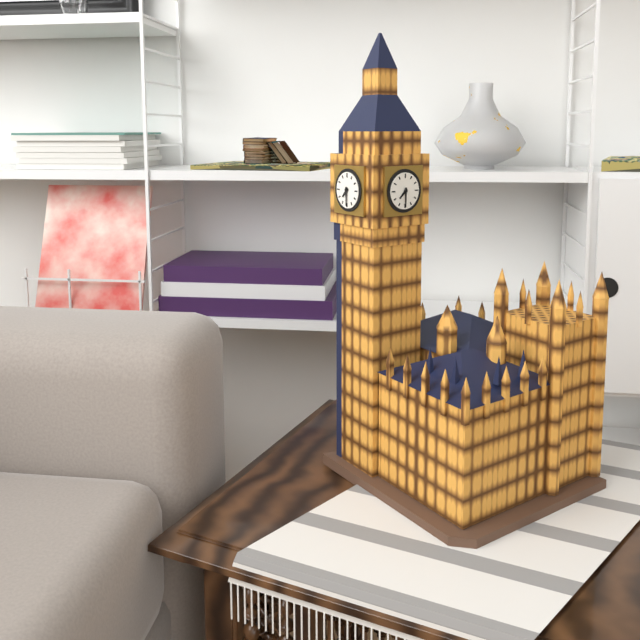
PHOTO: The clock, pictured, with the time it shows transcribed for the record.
7:30
